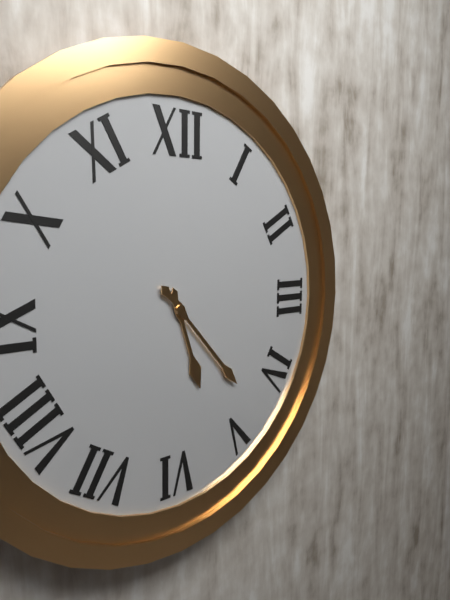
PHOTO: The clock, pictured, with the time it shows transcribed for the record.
5:23
